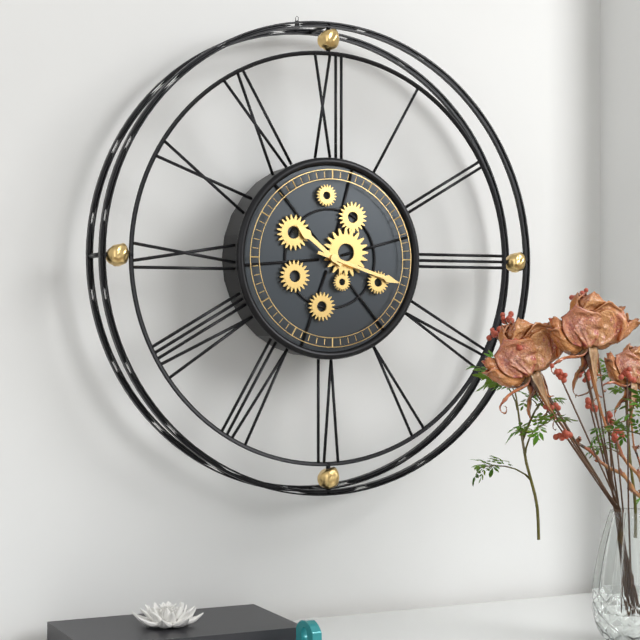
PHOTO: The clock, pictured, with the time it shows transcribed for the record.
10:18
